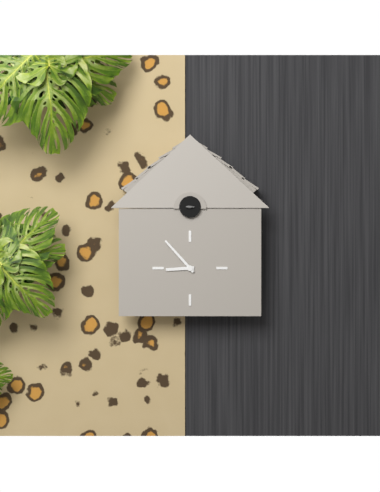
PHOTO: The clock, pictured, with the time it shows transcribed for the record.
8:53
